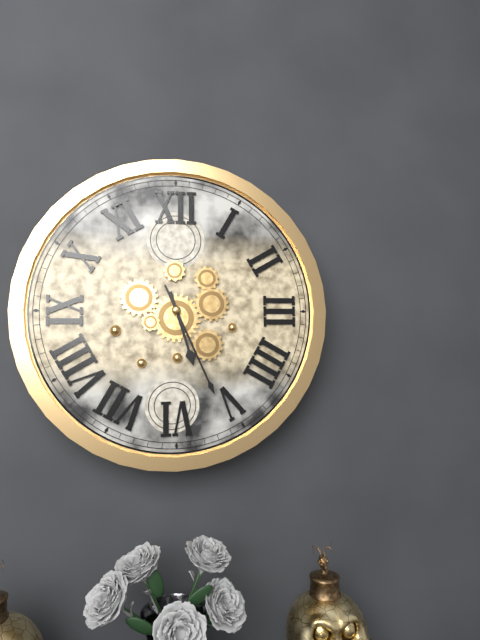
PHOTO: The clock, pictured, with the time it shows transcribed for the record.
5:26
